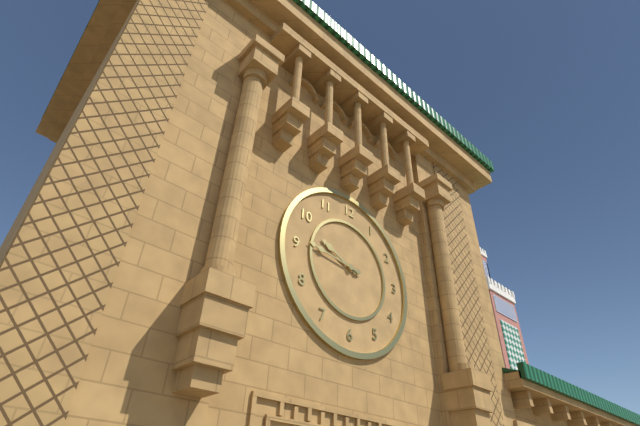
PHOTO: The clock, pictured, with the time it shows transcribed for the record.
9:46
